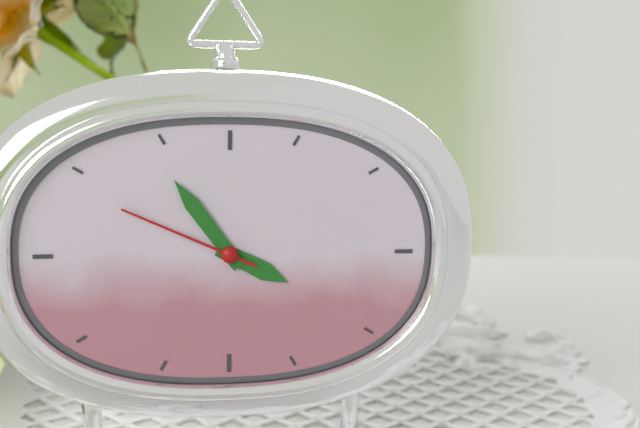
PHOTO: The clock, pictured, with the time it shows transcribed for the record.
3:54:49
